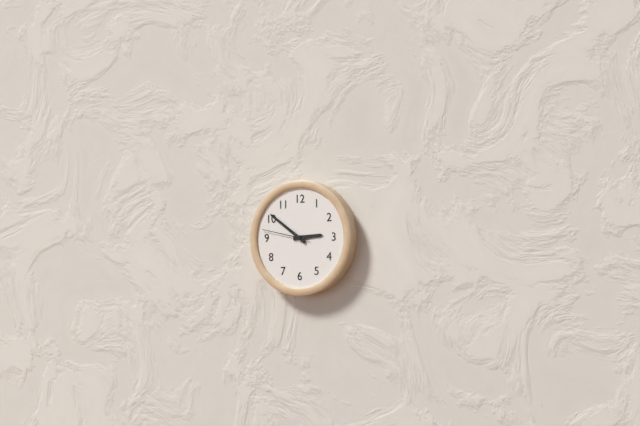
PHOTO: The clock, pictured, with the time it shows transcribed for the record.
2:51
